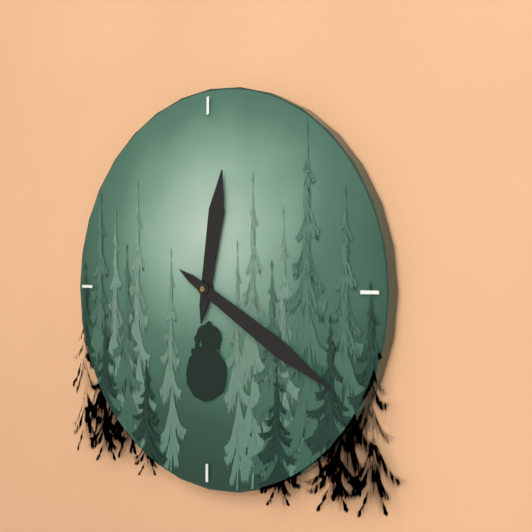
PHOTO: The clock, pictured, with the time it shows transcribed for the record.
12:20
